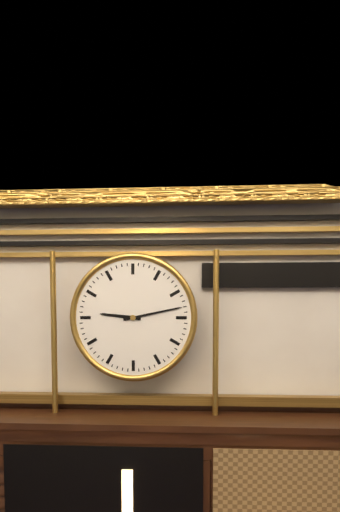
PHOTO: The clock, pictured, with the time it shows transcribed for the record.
9:13
